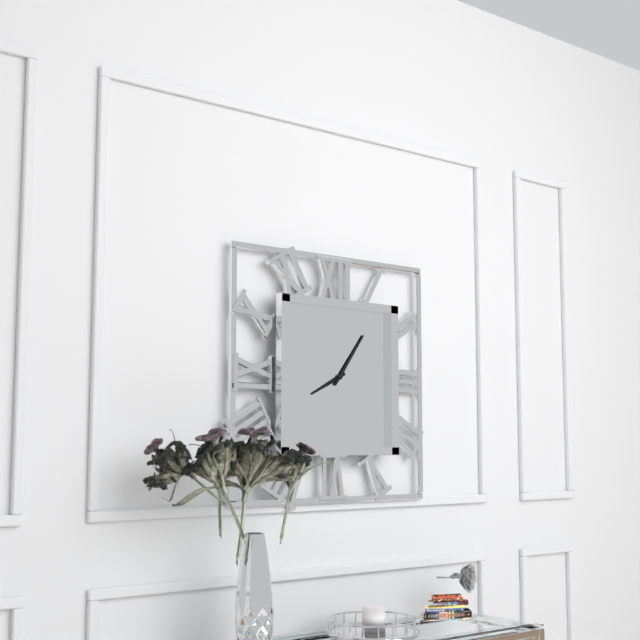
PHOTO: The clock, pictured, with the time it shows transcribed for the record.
8:06
